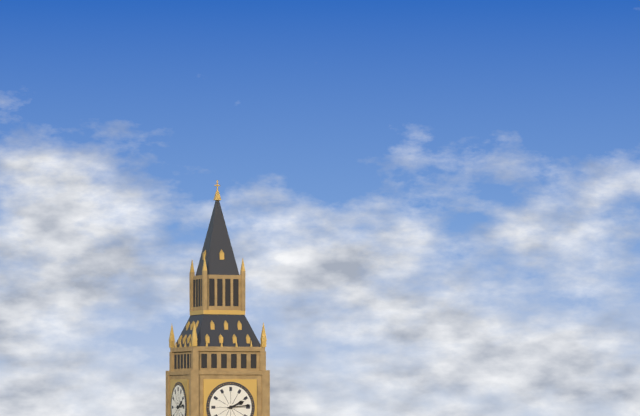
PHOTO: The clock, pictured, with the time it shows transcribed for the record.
2:14
